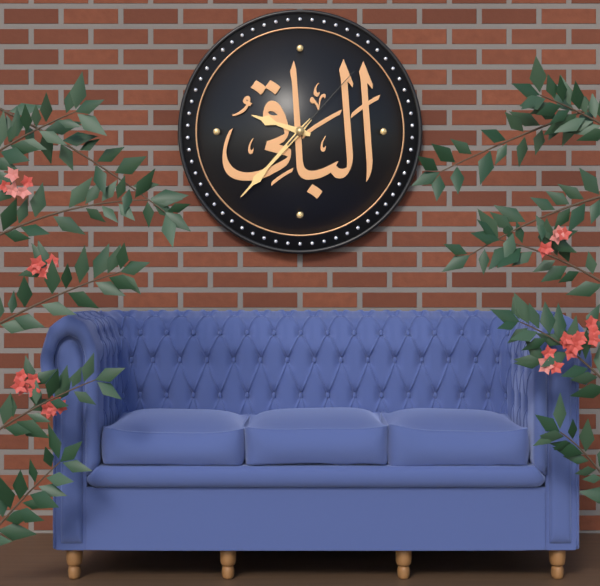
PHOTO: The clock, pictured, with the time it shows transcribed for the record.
9:37:07
